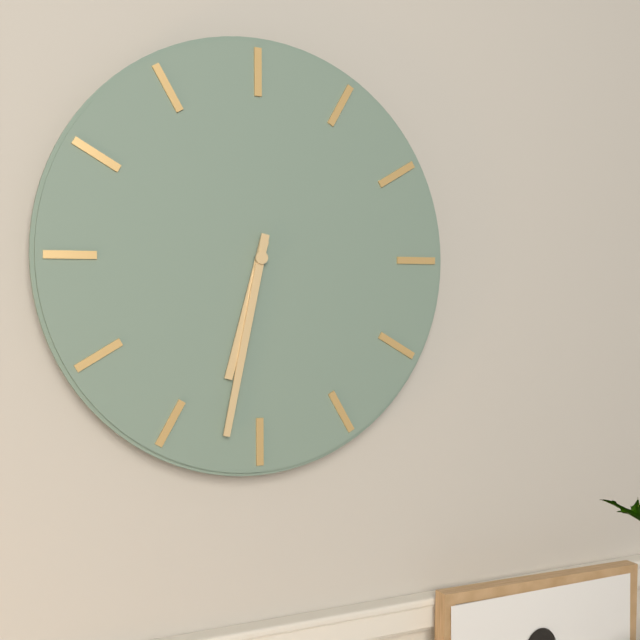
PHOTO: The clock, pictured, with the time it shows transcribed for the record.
6:32
